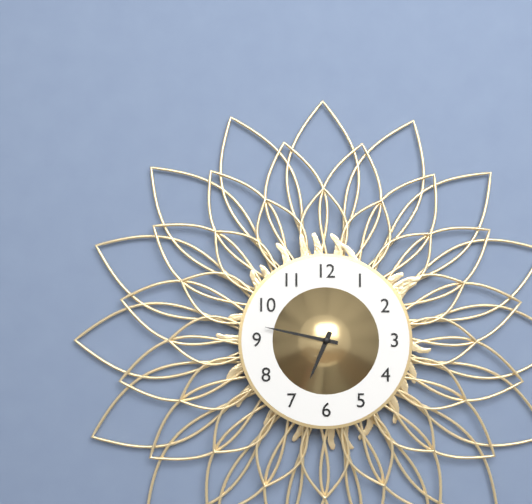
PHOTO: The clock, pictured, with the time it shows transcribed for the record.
6:47
